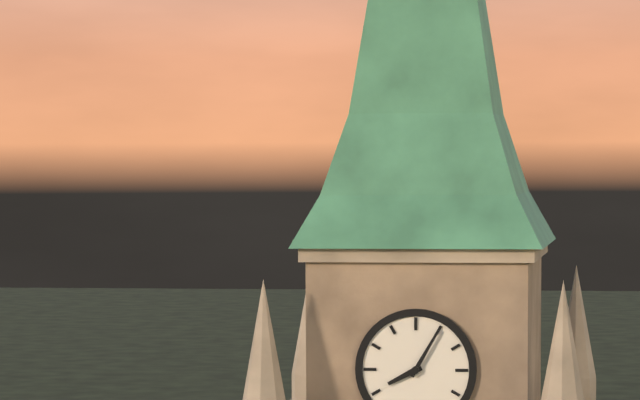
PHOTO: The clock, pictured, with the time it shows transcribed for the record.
8:05
